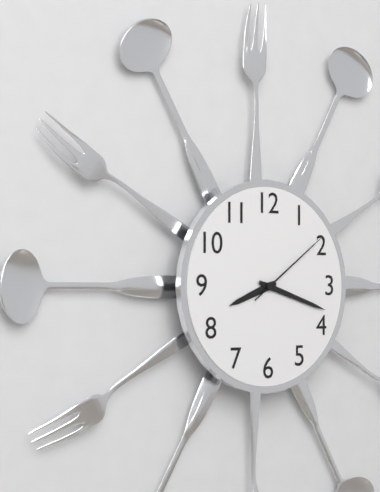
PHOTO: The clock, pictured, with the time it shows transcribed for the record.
8:18:09
